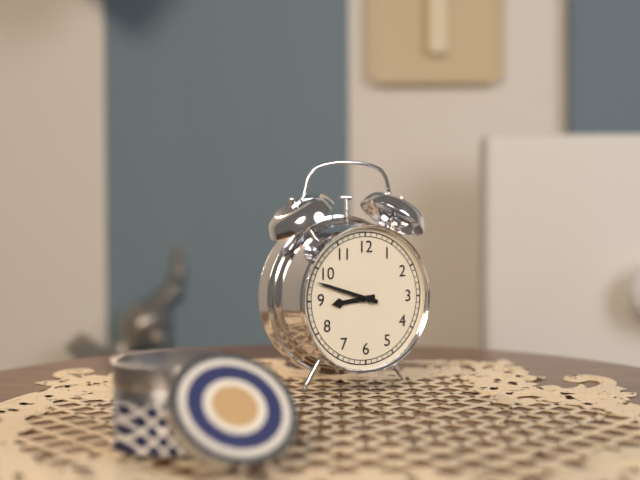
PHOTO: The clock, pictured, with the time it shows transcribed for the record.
8:48
